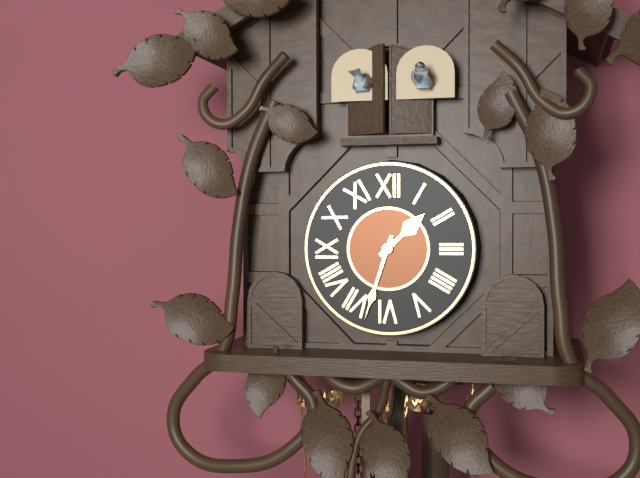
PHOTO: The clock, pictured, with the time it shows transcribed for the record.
1:33
